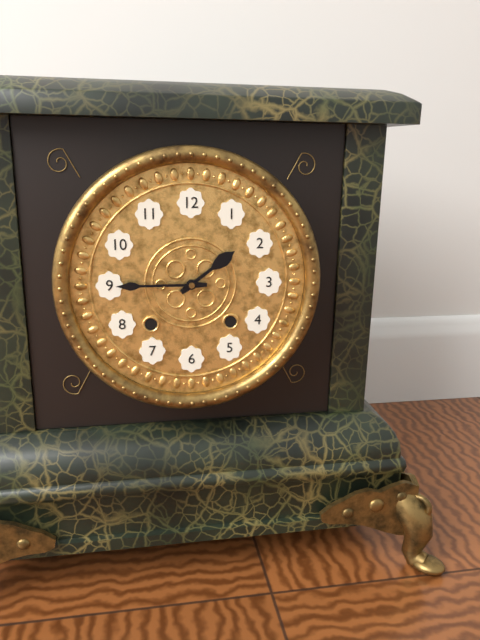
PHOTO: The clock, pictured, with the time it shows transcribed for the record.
1:45
